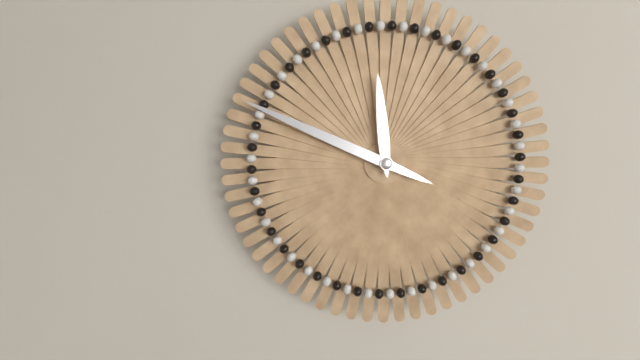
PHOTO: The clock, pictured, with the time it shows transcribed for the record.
11:49
